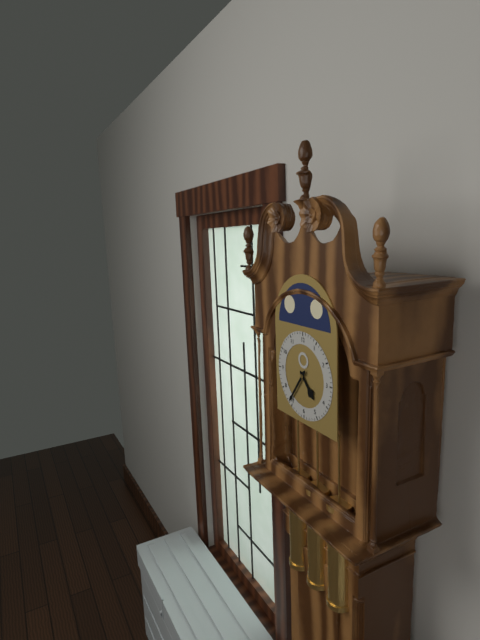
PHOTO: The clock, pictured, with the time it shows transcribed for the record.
4:36
